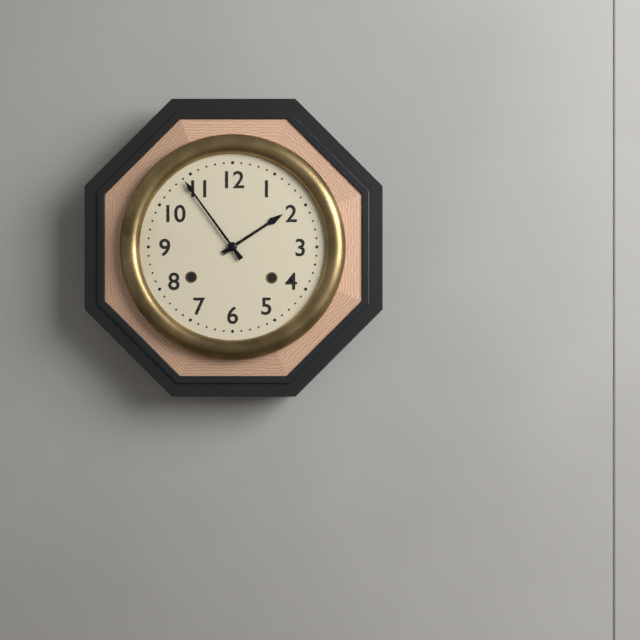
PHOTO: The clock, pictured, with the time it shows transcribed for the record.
1:54
